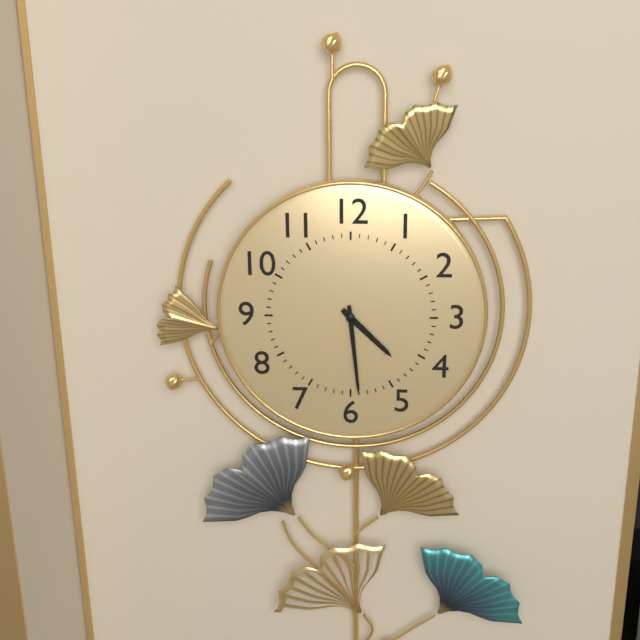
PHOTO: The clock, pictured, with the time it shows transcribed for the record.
4:29
